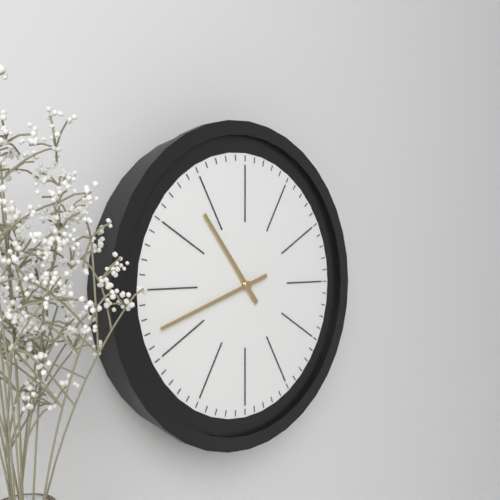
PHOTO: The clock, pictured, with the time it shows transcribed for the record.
10:42
